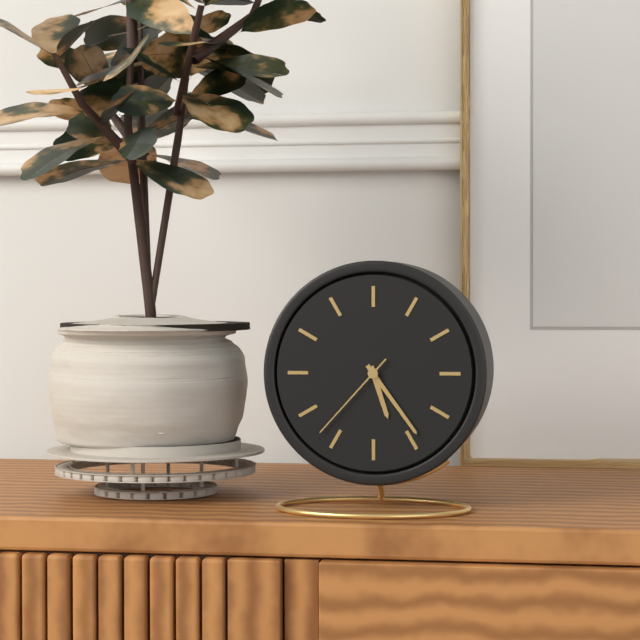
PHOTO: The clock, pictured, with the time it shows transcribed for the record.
5:24:37
